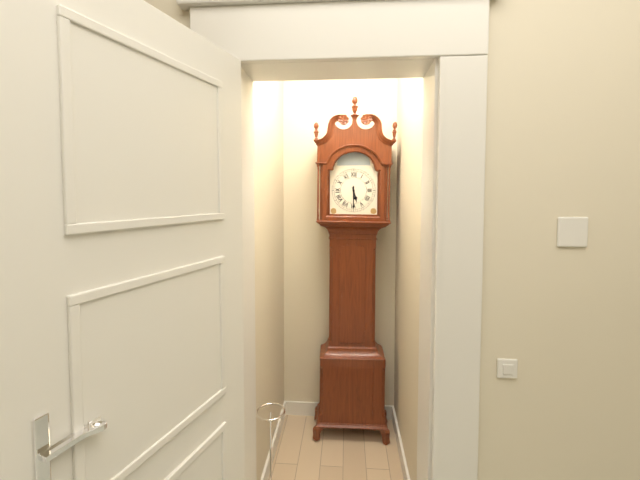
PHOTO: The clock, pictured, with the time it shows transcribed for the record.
5:30
